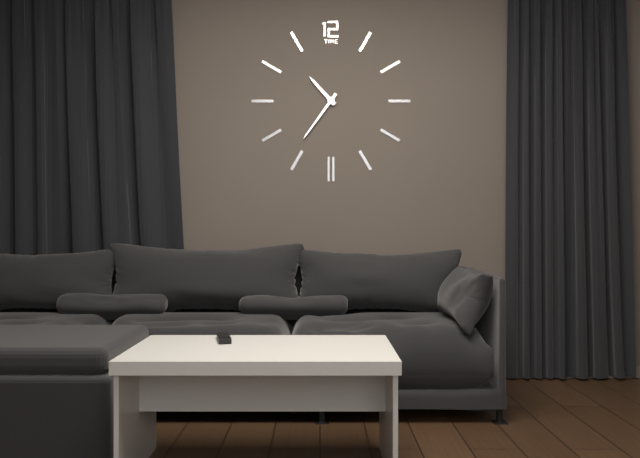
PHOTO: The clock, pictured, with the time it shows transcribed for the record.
10:36
